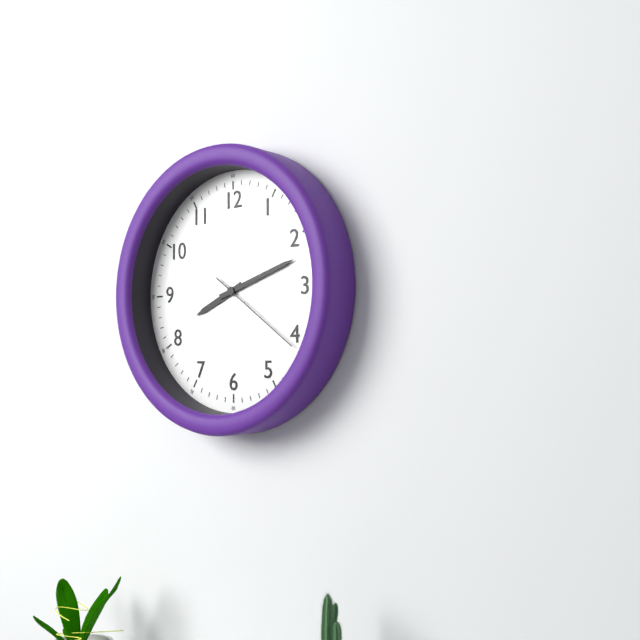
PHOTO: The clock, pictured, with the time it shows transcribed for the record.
8:12:21
